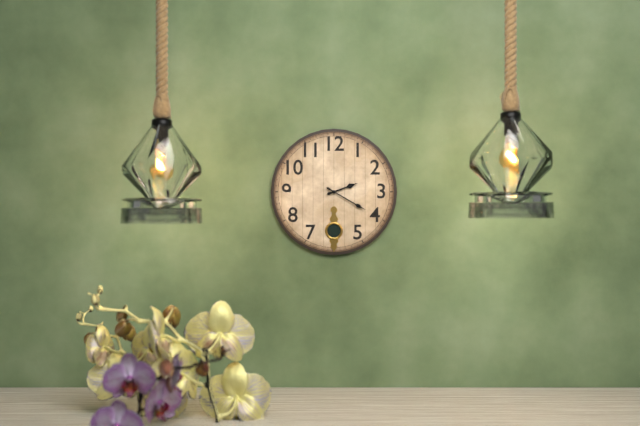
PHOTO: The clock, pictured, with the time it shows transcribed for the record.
2:20
